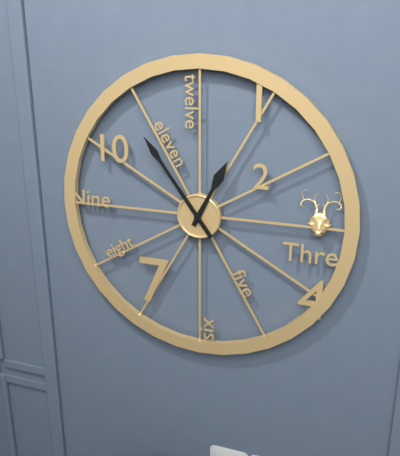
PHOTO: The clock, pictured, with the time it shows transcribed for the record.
12:54
